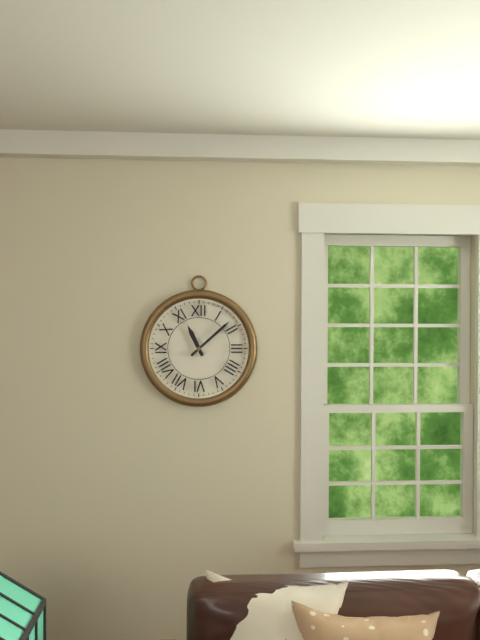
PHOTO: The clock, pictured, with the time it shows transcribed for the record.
11:08
